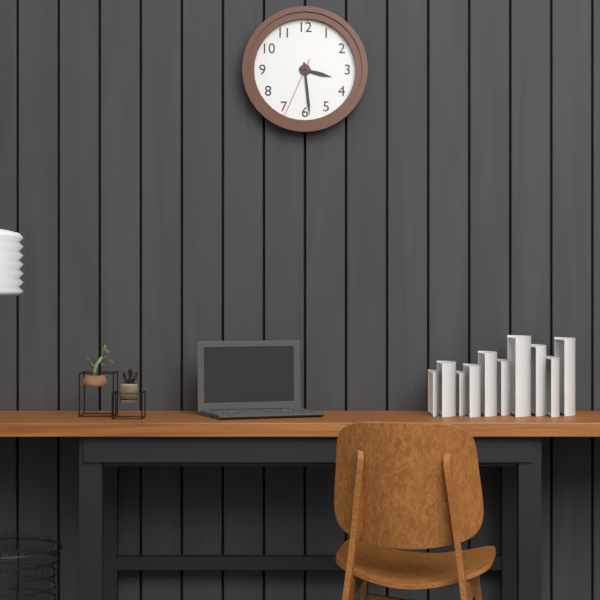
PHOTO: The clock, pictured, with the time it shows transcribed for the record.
3:29:34
